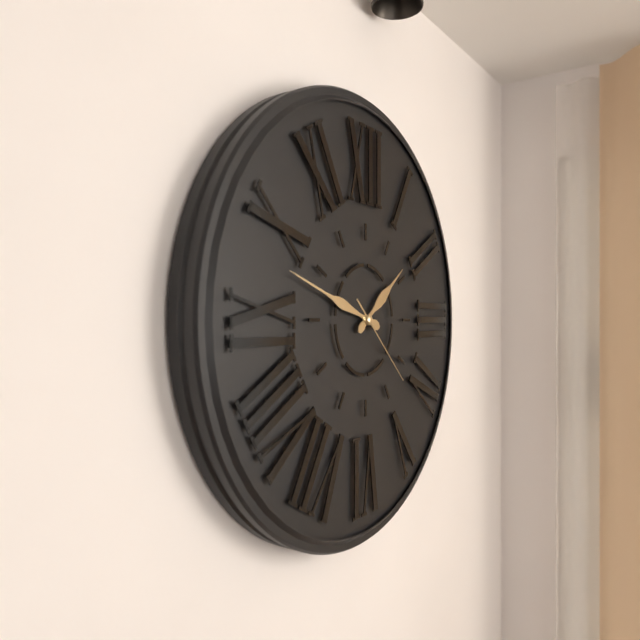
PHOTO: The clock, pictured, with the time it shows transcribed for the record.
1:48:22
